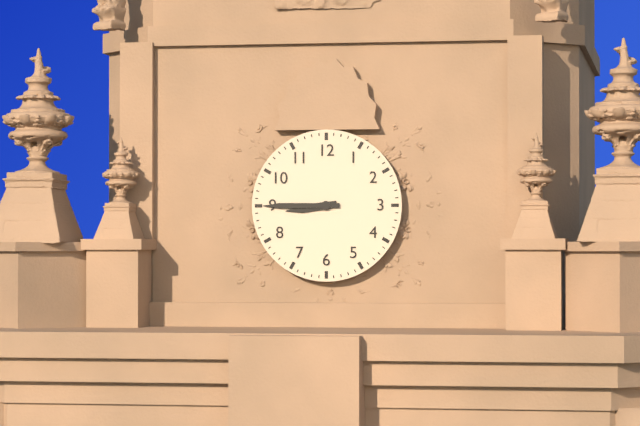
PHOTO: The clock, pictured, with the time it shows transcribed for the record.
8:45
